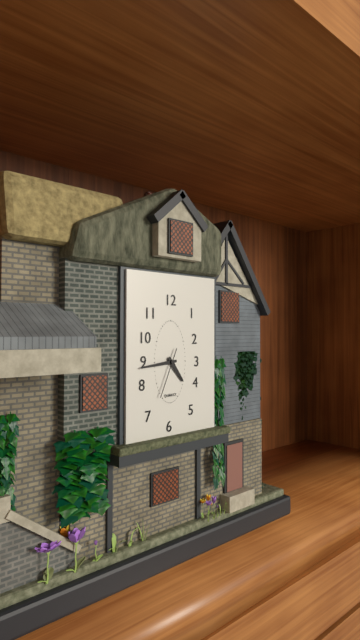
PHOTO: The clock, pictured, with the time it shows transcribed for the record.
4:44
